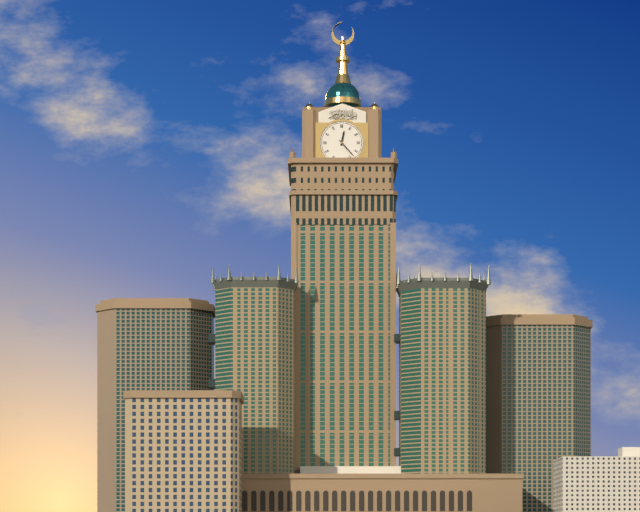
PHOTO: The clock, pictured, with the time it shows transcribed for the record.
12:23
